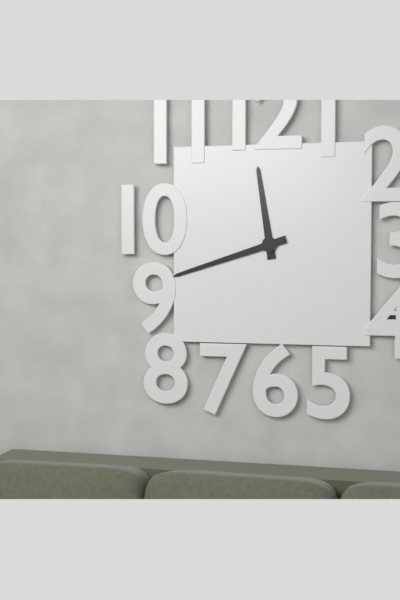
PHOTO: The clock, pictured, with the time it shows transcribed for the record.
11:42
